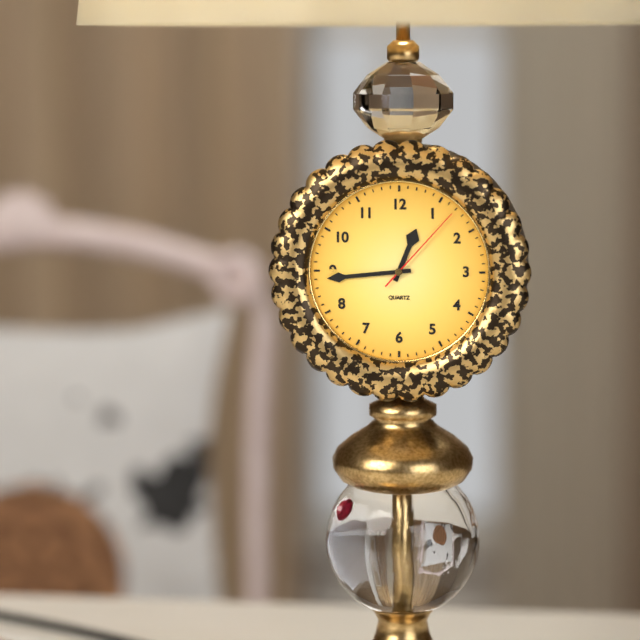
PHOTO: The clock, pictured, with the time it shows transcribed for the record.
12:44:07
